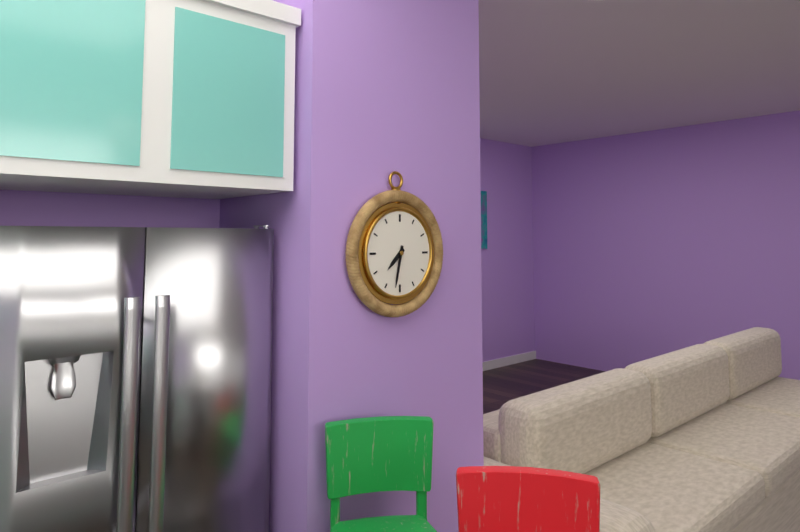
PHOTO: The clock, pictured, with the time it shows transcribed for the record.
7:32
